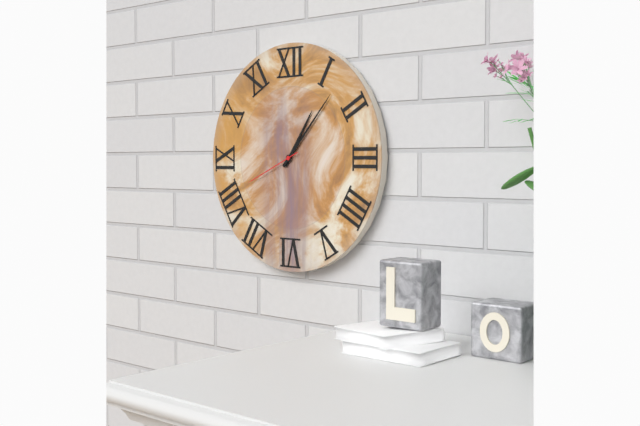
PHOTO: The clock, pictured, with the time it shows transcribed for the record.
1:07:41
